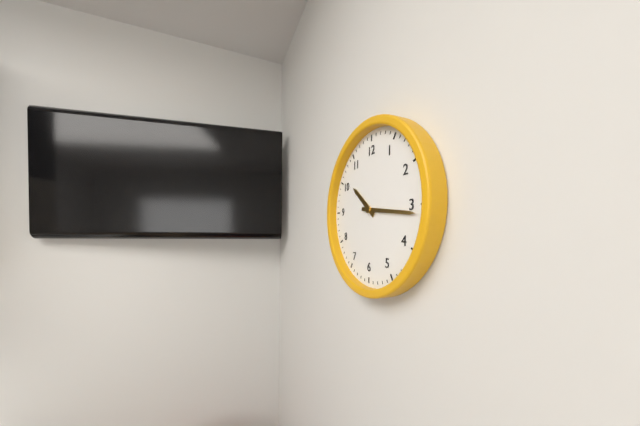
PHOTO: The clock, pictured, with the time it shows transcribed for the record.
10:16
